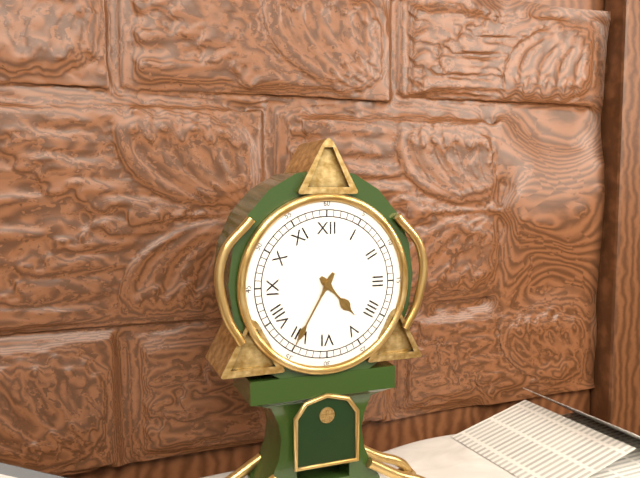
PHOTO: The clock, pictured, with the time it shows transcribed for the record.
4:35
